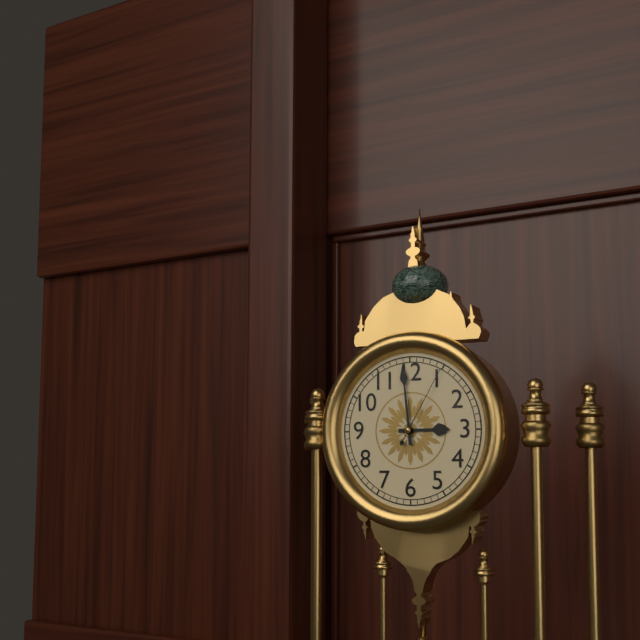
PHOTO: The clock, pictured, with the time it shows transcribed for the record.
2:59:05
